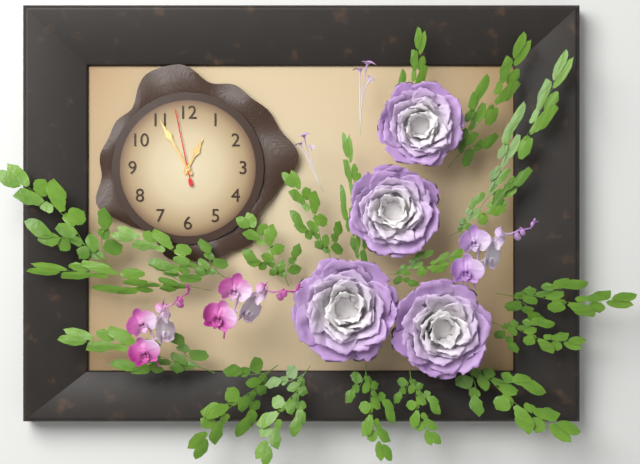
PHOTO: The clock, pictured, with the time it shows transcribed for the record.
12:55:58
